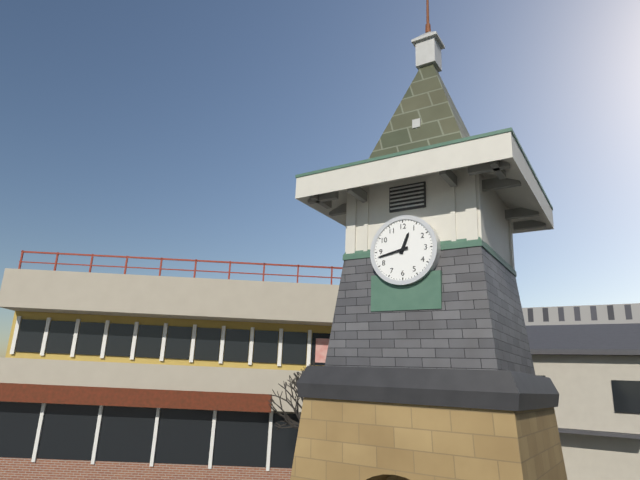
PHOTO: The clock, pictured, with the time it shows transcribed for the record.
12:43
